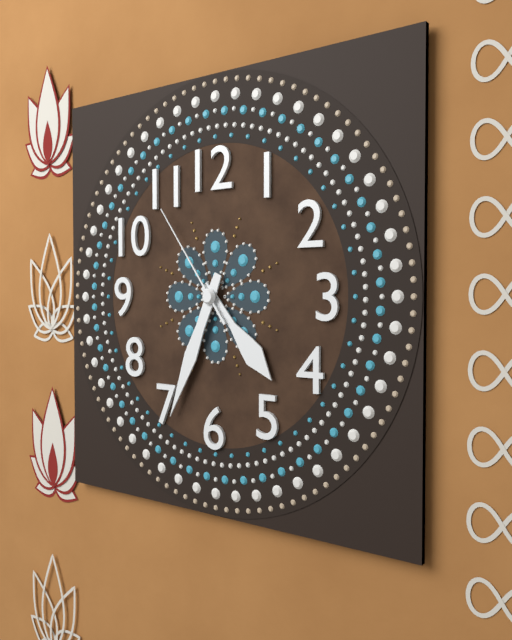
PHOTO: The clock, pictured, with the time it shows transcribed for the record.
4:34:54
